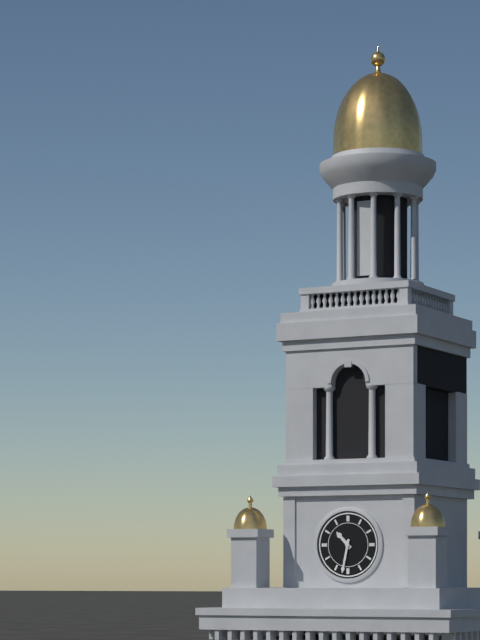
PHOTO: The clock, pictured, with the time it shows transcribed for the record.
10:32
